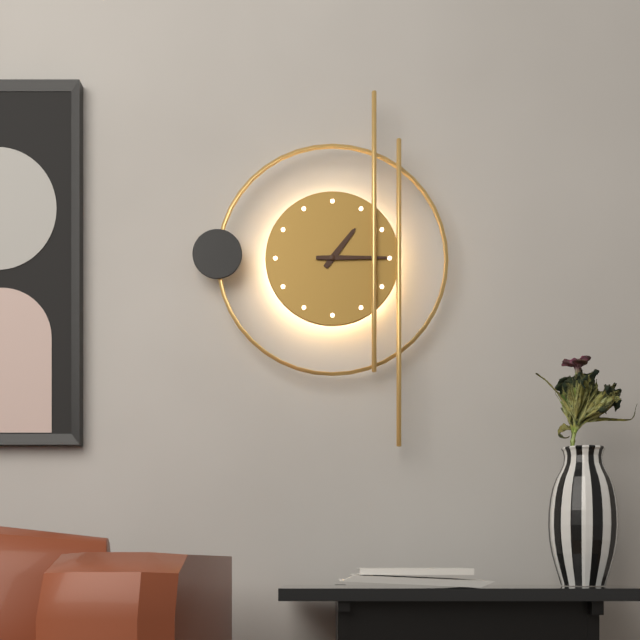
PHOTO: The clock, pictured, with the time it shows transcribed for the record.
1:15
